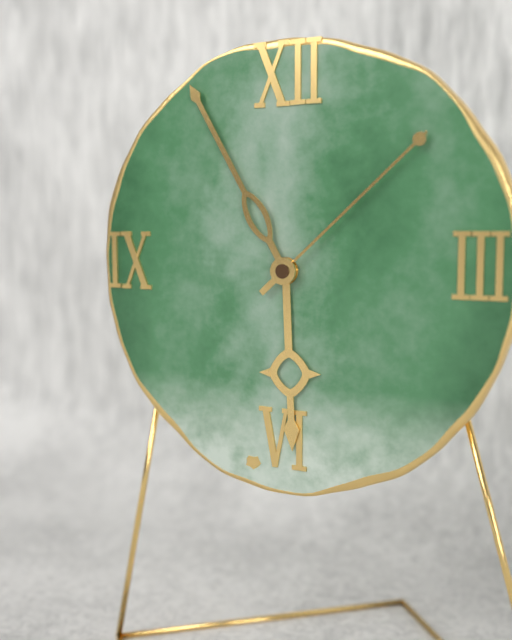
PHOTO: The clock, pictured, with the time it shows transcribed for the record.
5:55:08
